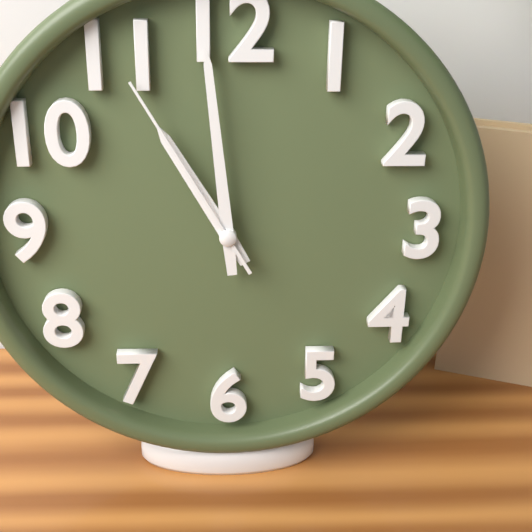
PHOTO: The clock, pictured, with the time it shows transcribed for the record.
10:59:55
